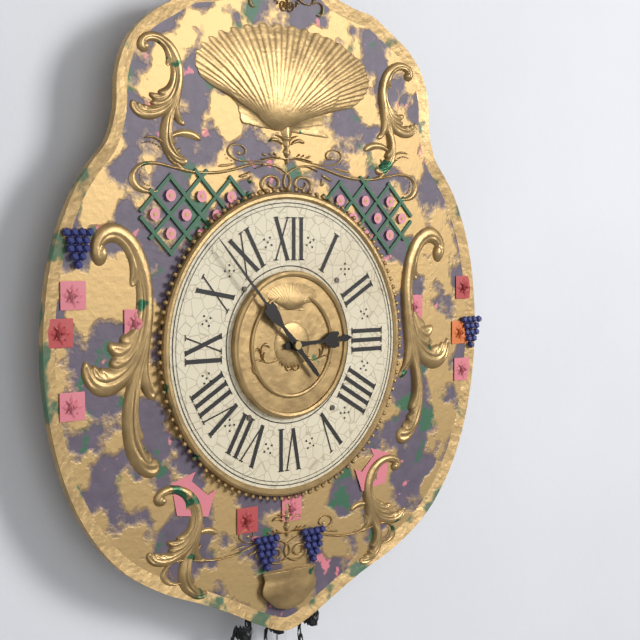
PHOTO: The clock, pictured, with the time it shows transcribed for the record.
2:53
